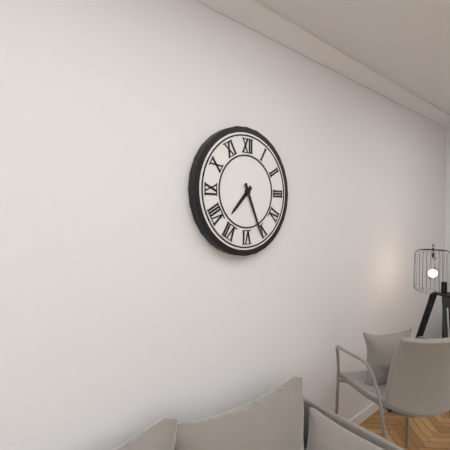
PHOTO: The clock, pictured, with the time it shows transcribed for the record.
7:26
